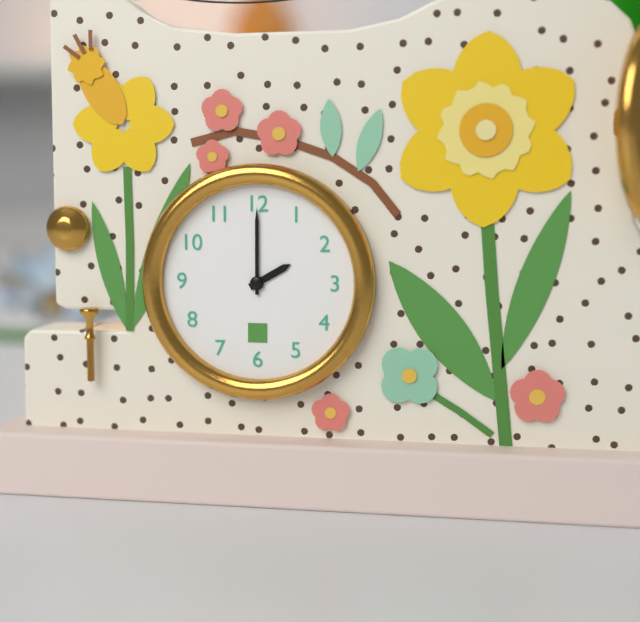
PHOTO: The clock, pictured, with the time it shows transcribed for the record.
2:00
